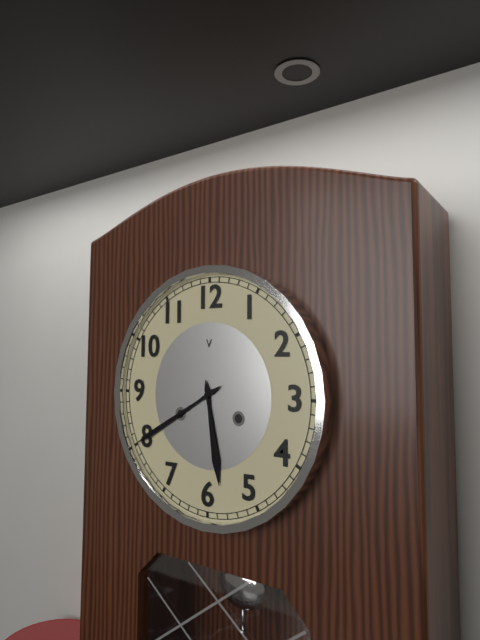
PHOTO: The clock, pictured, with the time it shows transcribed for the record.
5:40
